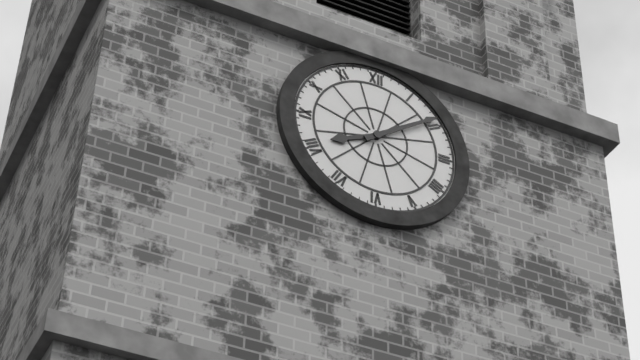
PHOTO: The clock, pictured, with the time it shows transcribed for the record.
8:09
